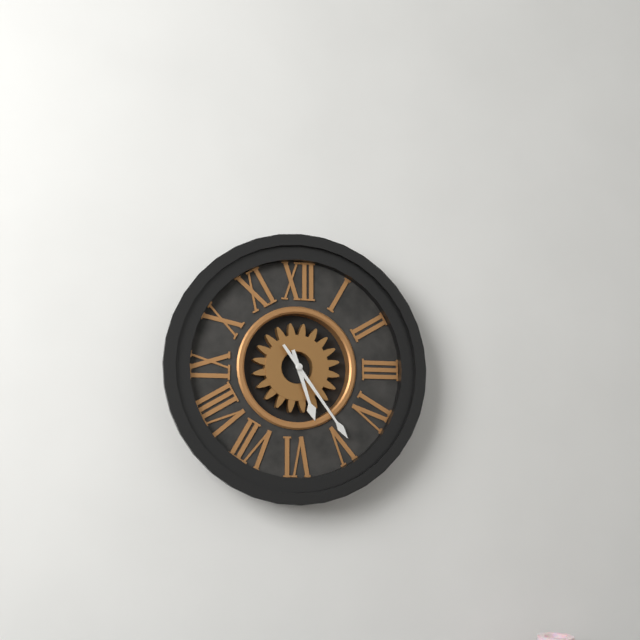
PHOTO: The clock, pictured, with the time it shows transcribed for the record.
5:24
